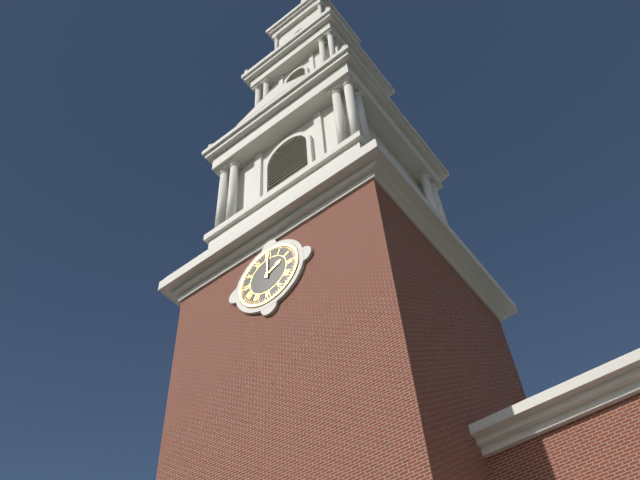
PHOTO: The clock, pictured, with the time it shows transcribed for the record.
2:00
